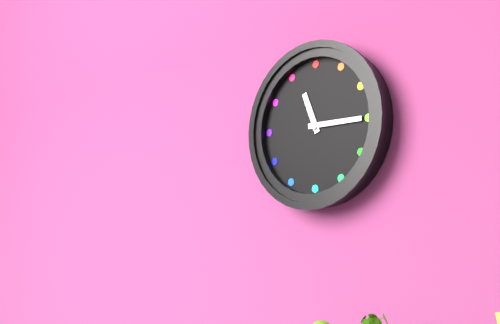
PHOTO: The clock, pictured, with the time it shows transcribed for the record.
11:15
